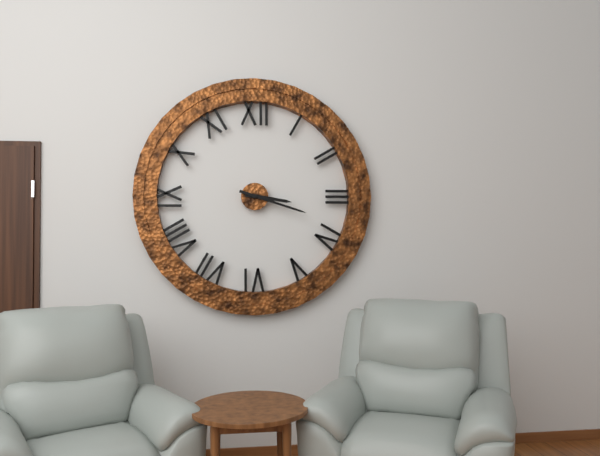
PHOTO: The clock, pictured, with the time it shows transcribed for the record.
3:18
